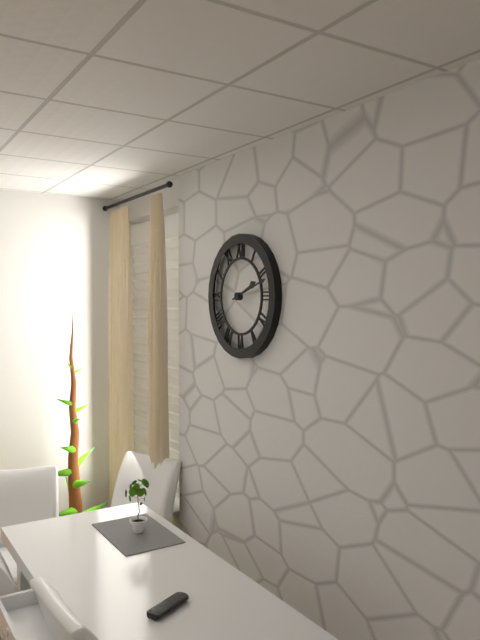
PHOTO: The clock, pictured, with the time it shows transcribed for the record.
2:12
